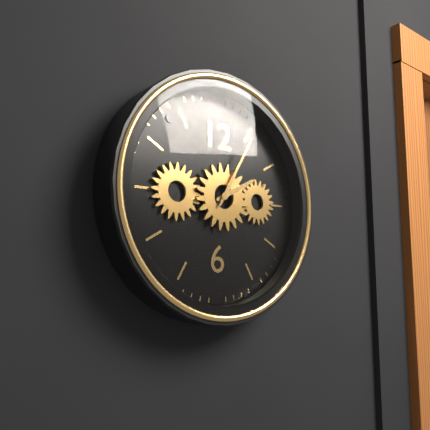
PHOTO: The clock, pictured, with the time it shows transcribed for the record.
2:05
